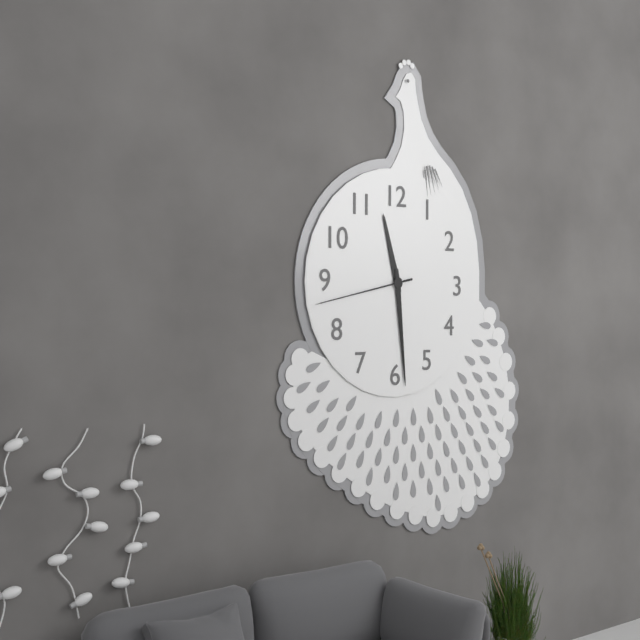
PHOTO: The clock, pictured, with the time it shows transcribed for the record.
11:29:43
